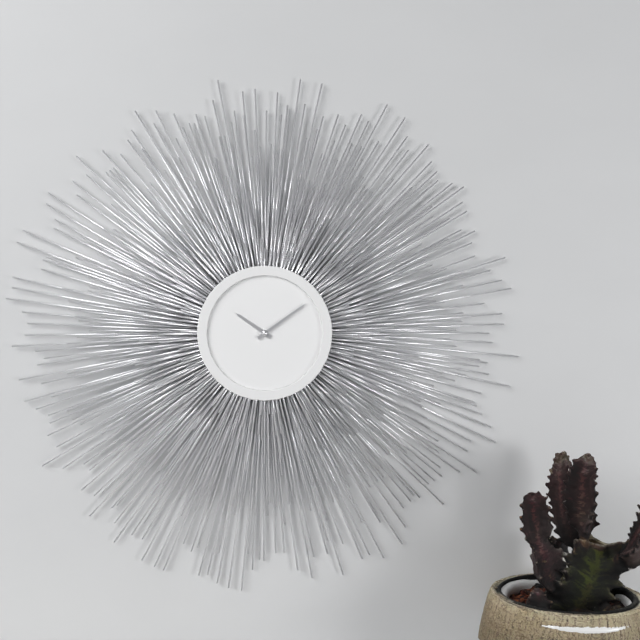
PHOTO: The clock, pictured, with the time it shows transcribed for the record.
10:09
